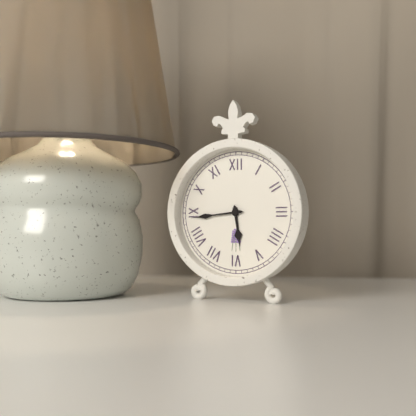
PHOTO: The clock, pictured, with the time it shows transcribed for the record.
5:44
